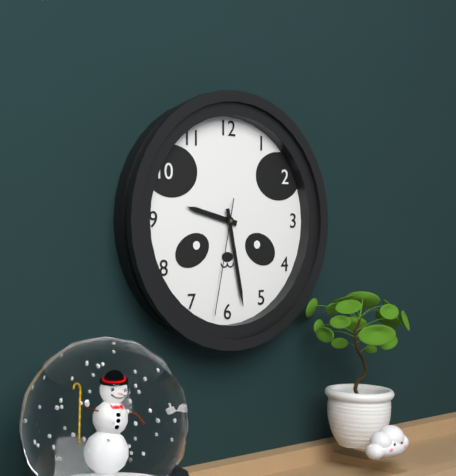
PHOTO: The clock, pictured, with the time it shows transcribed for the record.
9:28:32
